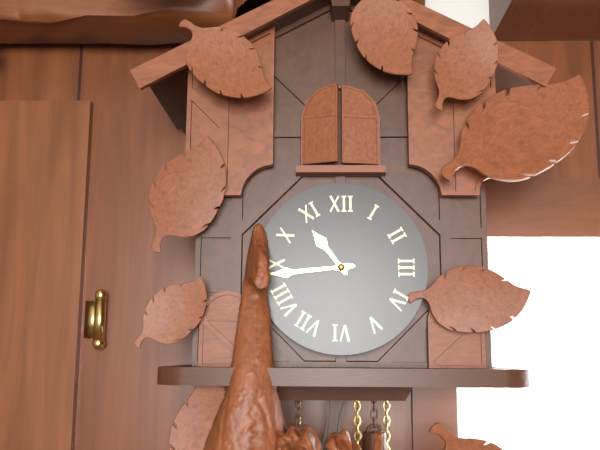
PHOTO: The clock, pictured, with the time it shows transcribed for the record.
10:44
